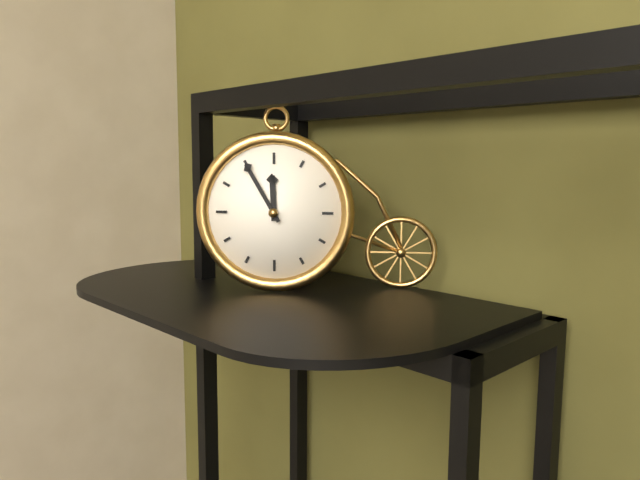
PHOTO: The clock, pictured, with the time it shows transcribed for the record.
11:55
